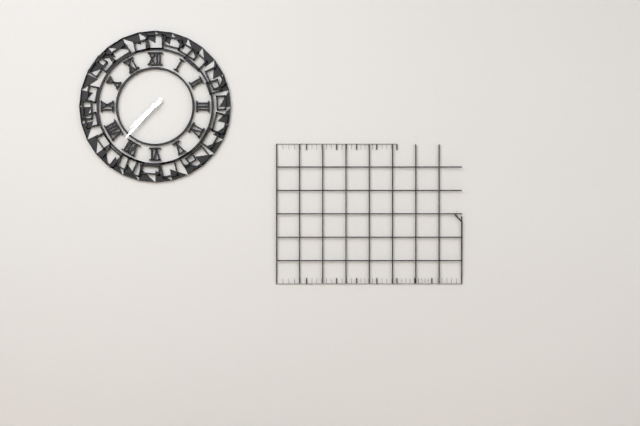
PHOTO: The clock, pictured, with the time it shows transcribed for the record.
7:37
